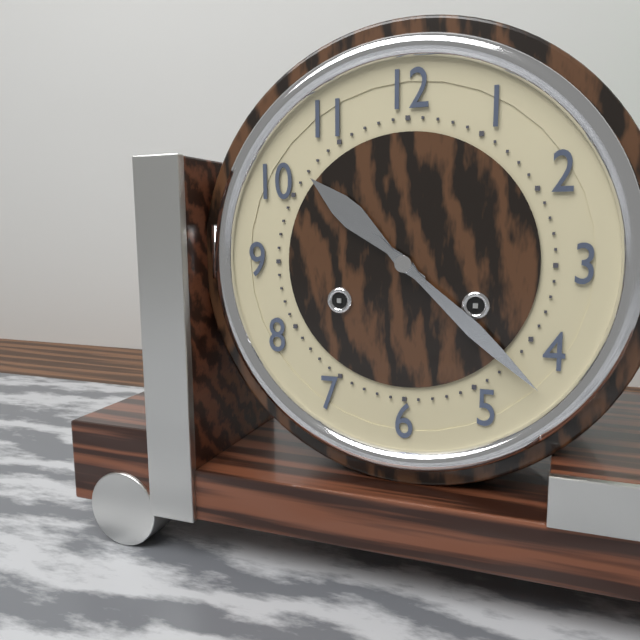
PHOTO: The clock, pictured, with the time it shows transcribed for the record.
10:22
